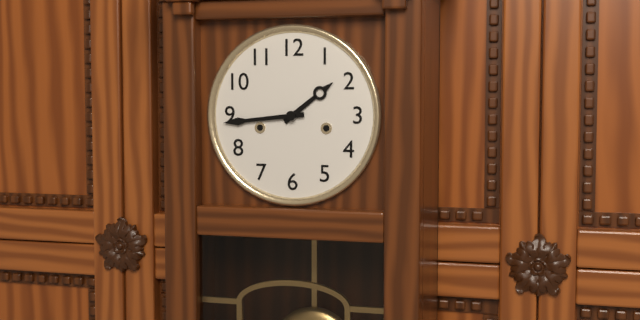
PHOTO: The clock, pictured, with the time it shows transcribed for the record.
1:44
